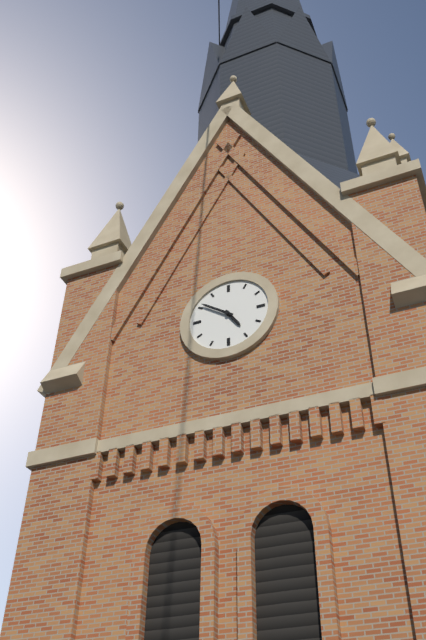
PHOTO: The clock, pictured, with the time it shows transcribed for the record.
4:51
